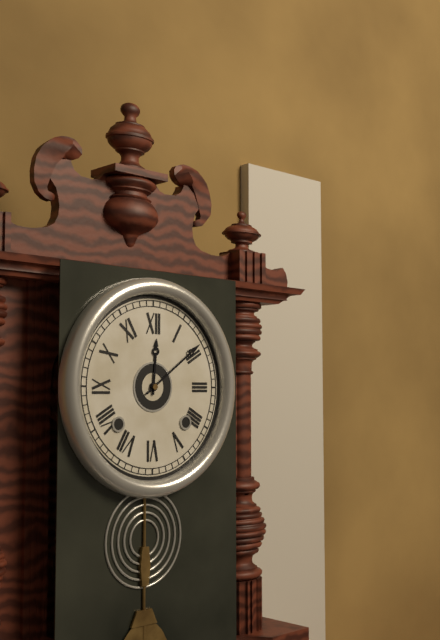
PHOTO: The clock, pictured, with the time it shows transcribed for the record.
12:09
